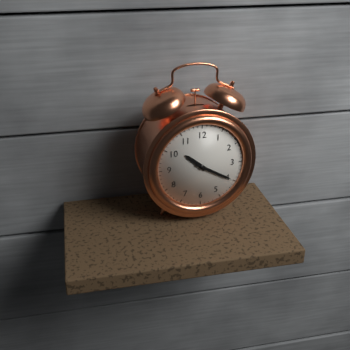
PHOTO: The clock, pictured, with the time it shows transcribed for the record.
10:20
